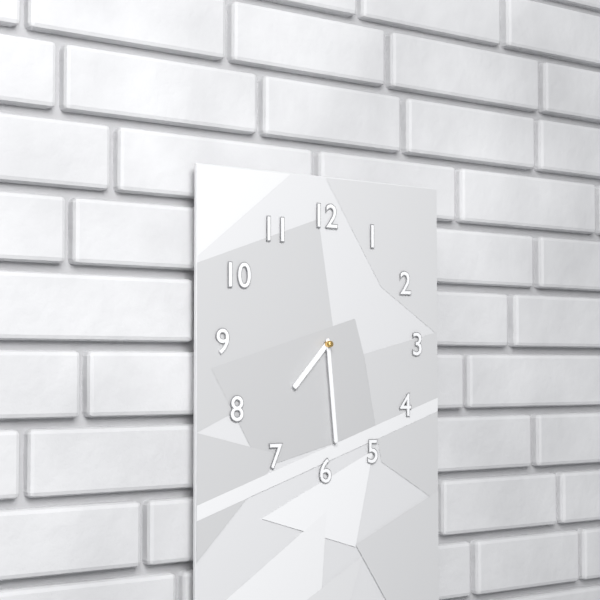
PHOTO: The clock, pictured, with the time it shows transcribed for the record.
7:29
